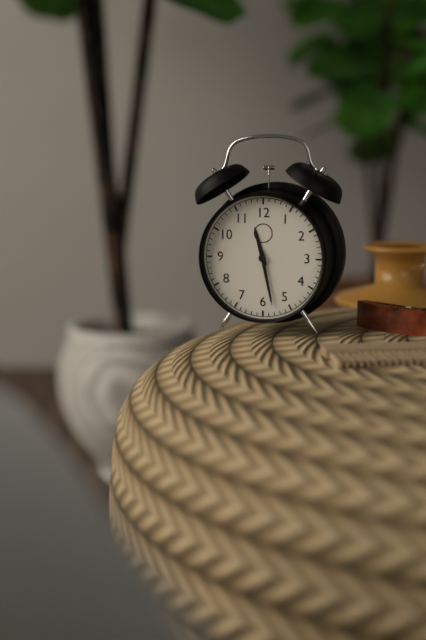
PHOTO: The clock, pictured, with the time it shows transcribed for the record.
11:28
